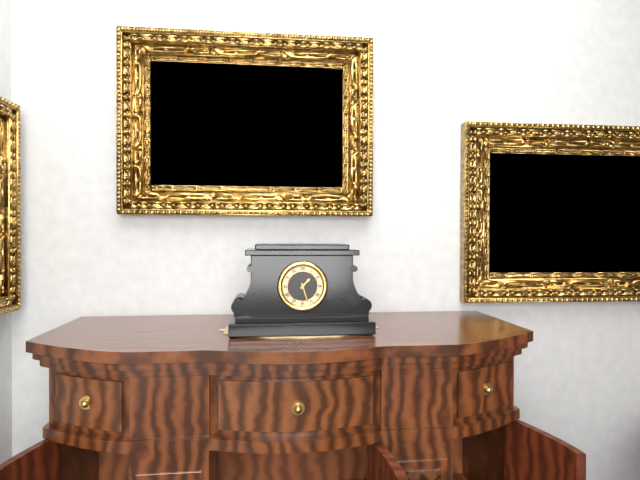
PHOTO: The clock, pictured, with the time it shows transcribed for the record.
1:27
